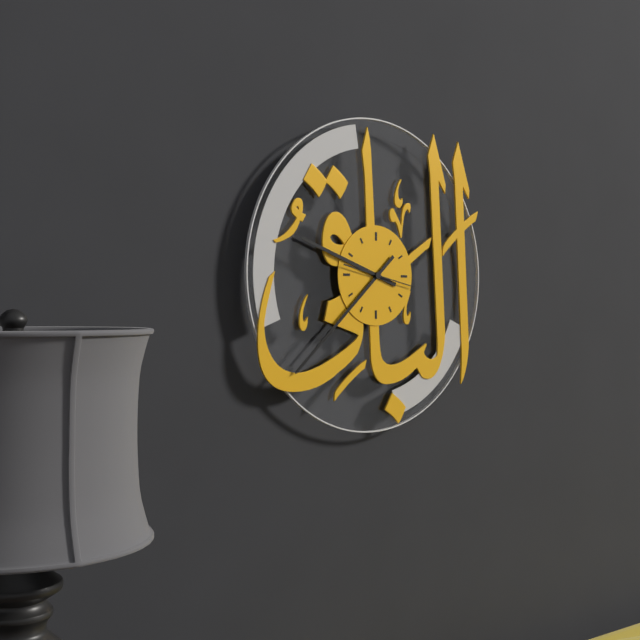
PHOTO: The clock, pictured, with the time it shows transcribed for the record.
9:38:17
